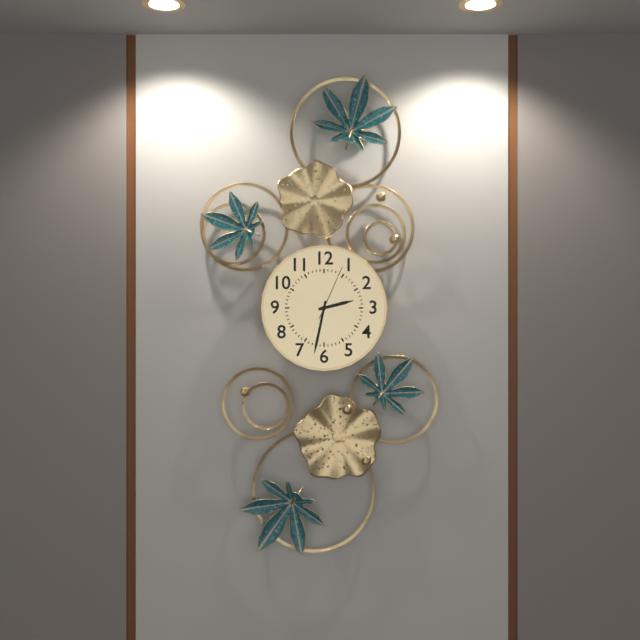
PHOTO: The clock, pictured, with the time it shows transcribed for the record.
2:32:04
